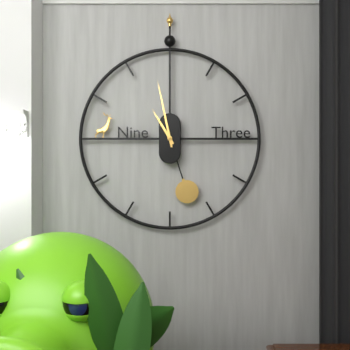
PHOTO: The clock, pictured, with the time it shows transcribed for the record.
10:58
